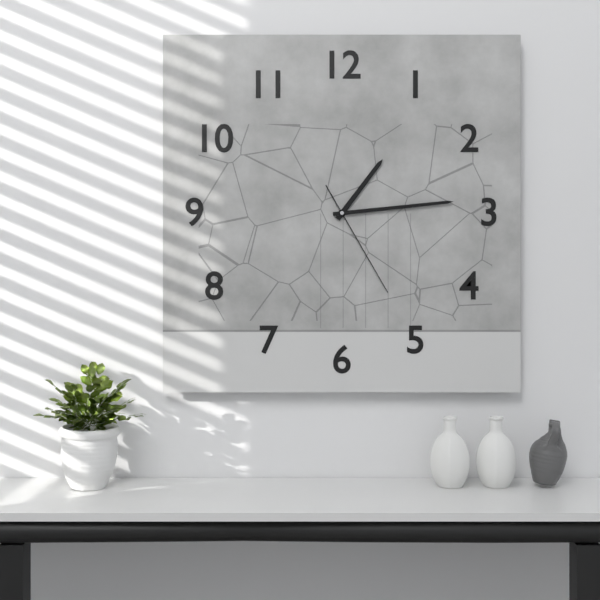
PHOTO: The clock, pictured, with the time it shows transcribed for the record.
1:14:25
